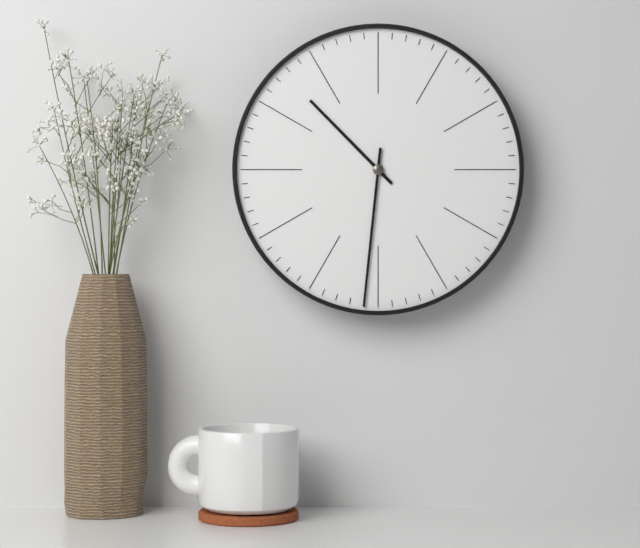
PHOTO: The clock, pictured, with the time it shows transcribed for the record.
10:31
